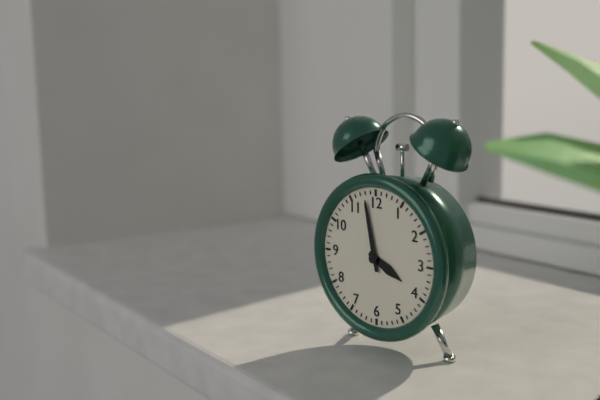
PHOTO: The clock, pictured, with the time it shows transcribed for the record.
3:58
